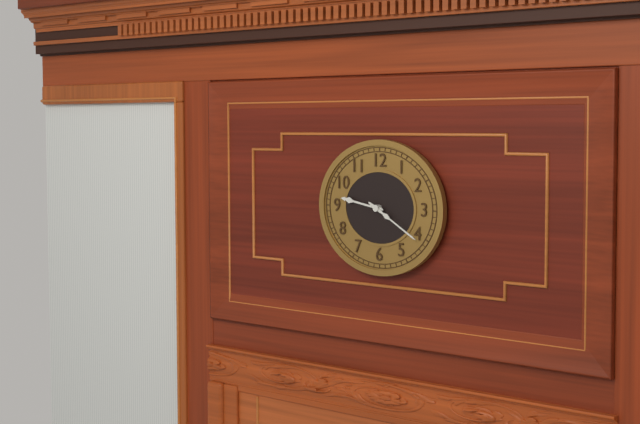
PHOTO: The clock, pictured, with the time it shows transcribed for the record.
9:20
